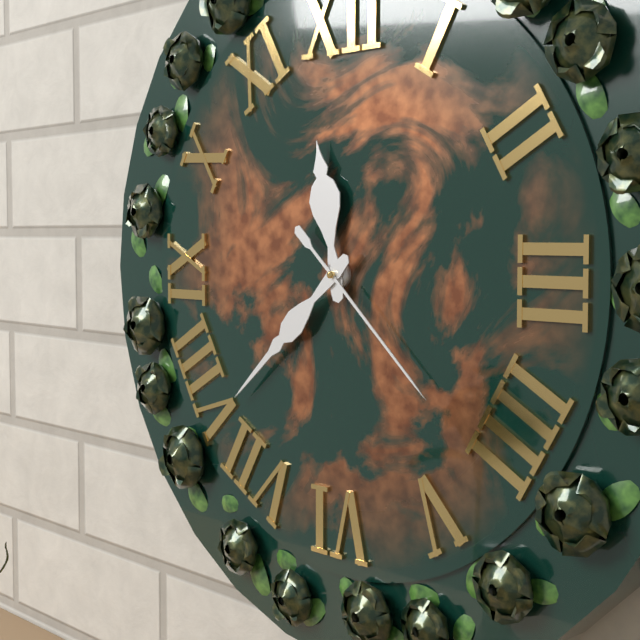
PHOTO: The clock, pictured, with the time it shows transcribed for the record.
11:38:22
